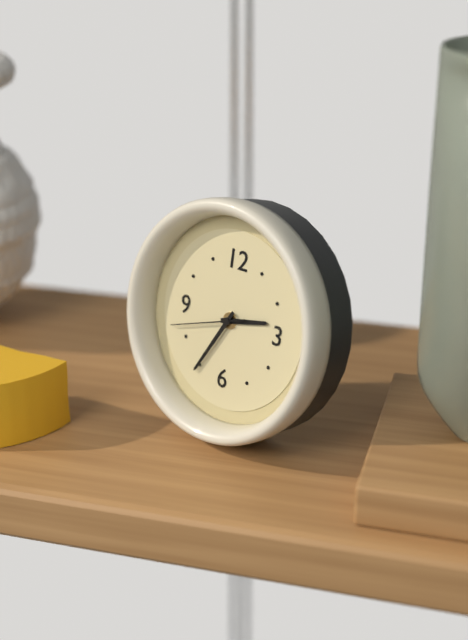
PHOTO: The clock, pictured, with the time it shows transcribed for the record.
2:35:42
